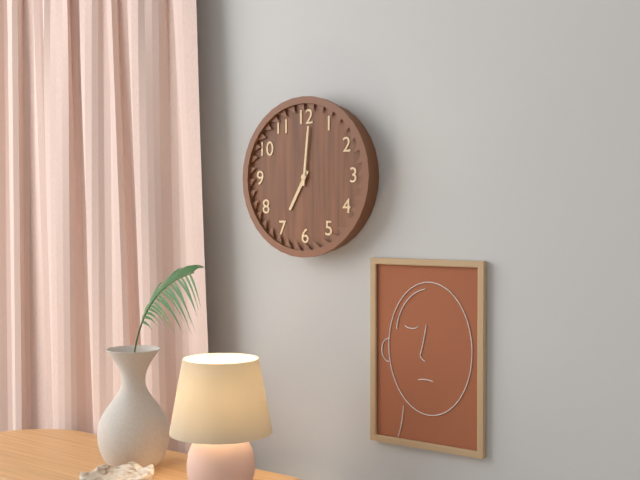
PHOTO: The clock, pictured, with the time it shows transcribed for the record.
7:01
